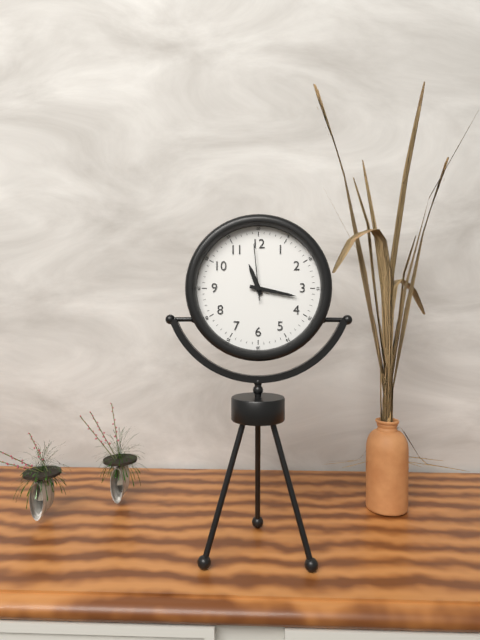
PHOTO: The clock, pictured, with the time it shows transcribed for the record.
11:17:59
